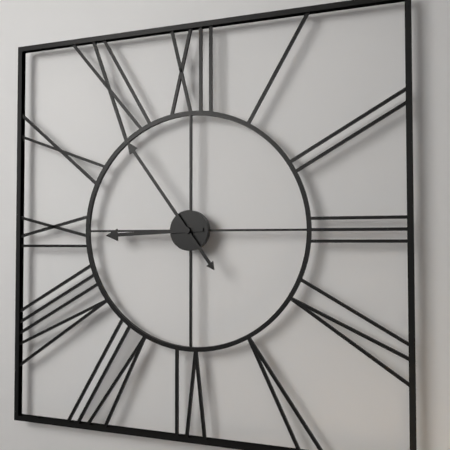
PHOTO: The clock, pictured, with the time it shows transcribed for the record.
8:54
